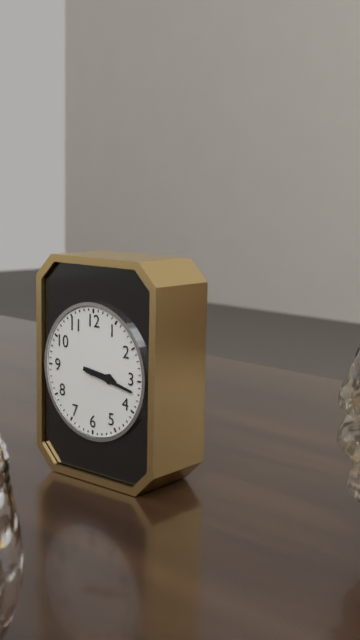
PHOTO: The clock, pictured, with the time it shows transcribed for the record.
3:17
